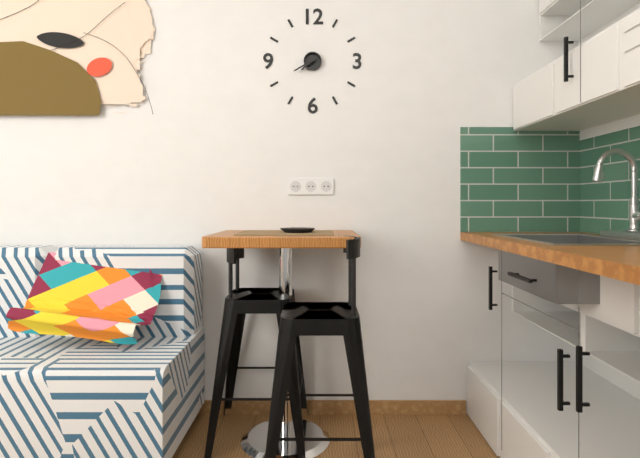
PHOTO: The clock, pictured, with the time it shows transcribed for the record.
7:40
